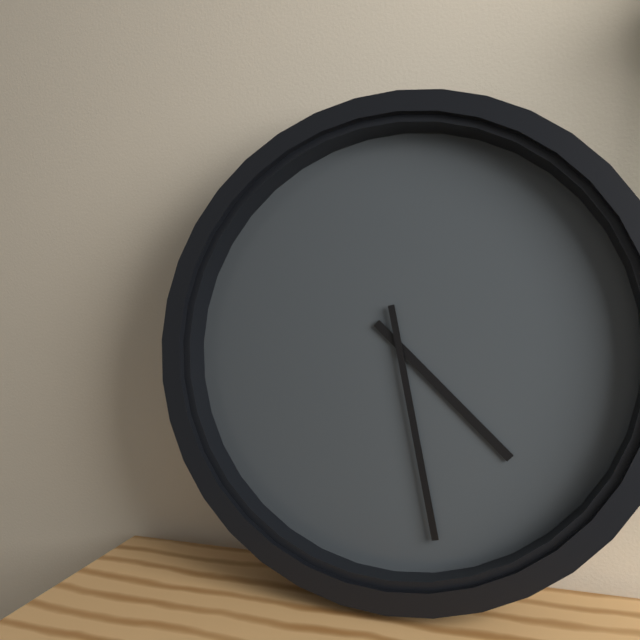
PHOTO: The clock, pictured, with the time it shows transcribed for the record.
4:28
